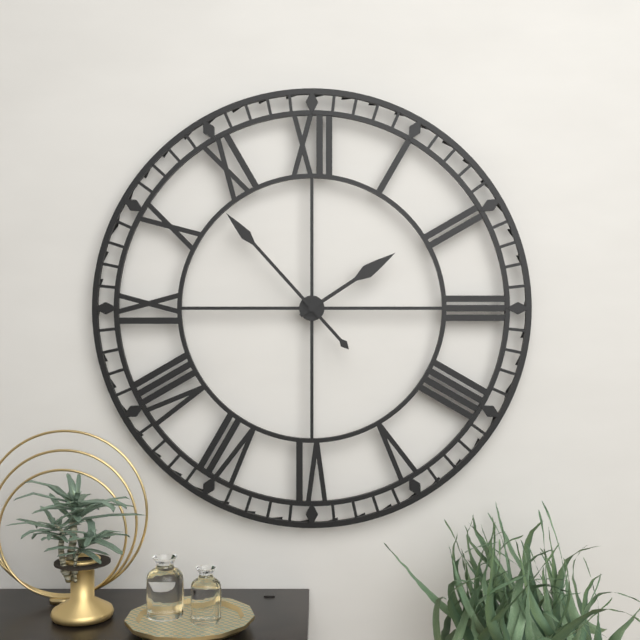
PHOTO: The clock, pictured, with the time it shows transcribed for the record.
1:53
